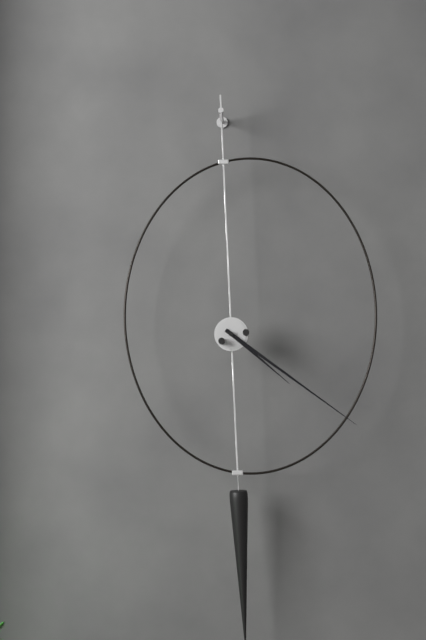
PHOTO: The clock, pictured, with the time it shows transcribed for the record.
4:21
